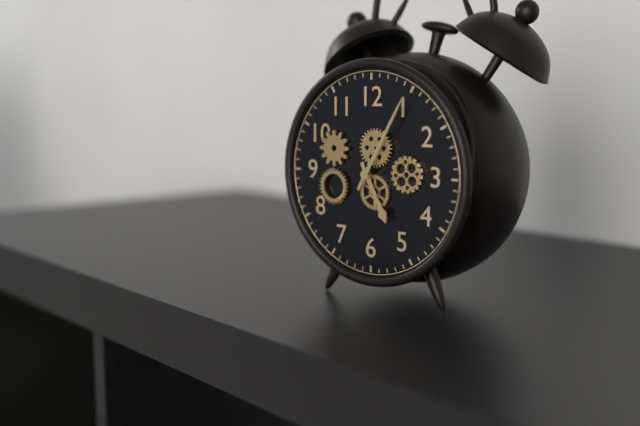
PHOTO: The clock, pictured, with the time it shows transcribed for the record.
5:05
